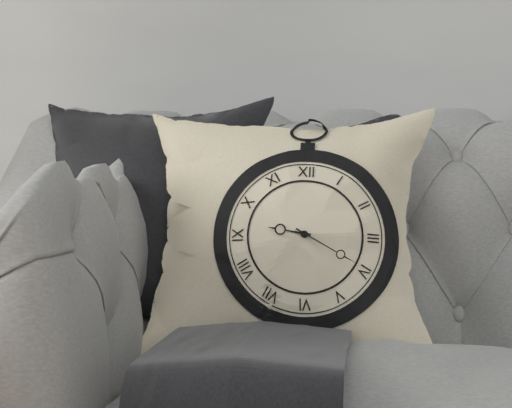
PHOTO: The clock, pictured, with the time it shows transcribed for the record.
9:20
